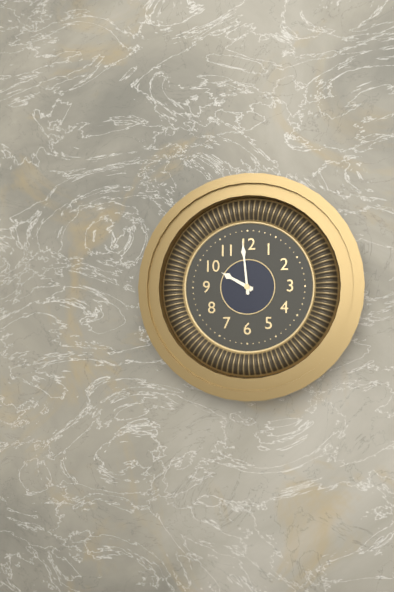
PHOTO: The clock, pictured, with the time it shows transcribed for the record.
9:59
